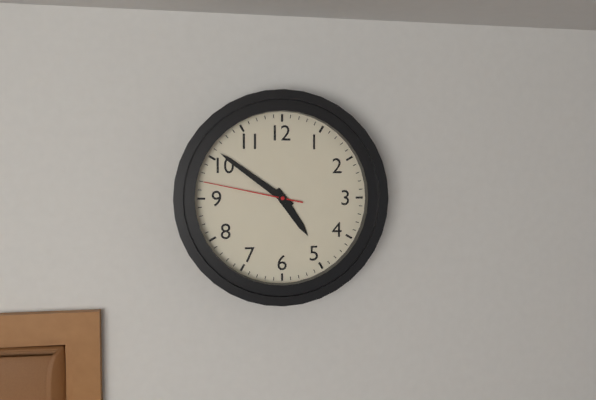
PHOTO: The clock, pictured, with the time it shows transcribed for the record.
4:51:47
